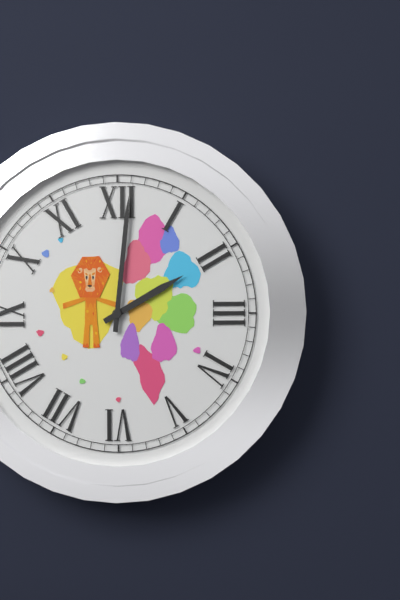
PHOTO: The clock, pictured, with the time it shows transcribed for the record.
2:01
